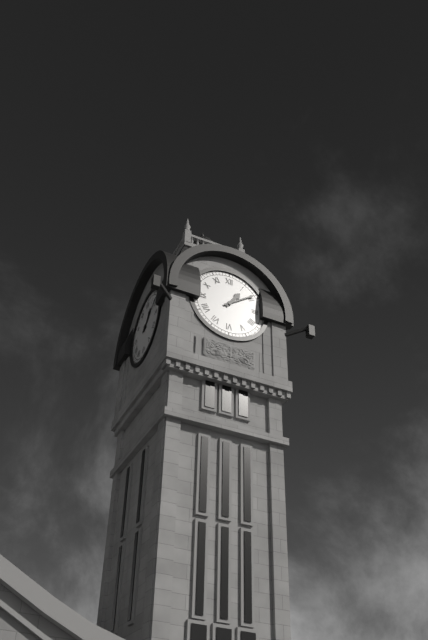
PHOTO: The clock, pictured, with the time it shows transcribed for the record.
1:09
